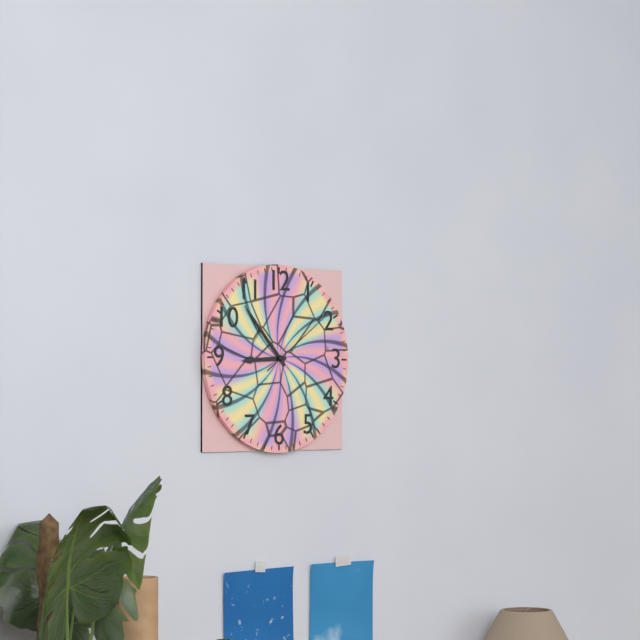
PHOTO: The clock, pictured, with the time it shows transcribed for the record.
8:53:09
